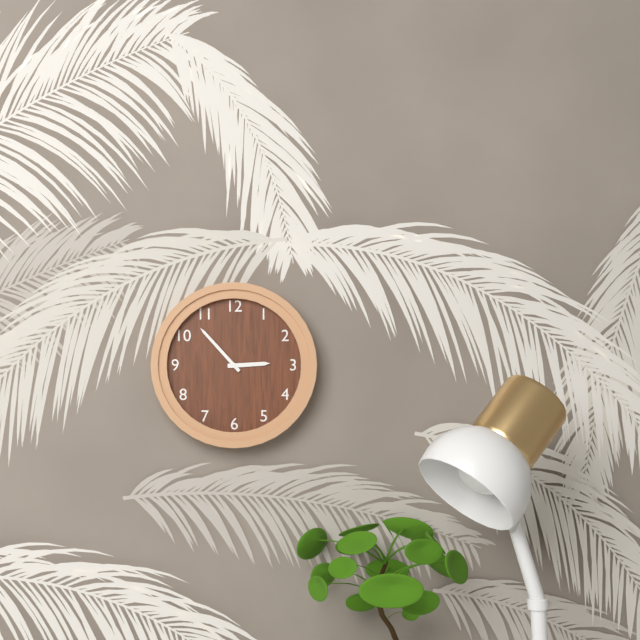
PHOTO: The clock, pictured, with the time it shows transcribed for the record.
2:53
